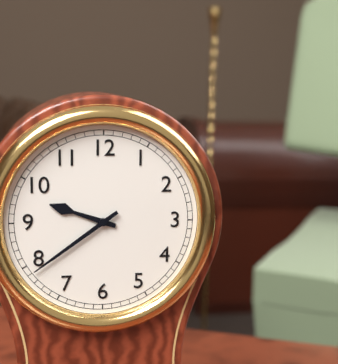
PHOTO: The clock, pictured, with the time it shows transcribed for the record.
9:39
